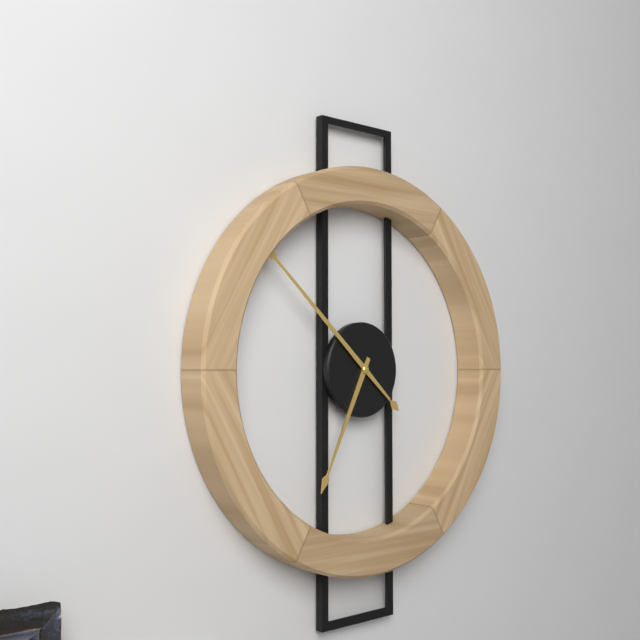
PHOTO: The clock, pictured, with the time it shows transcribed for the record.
6:52
